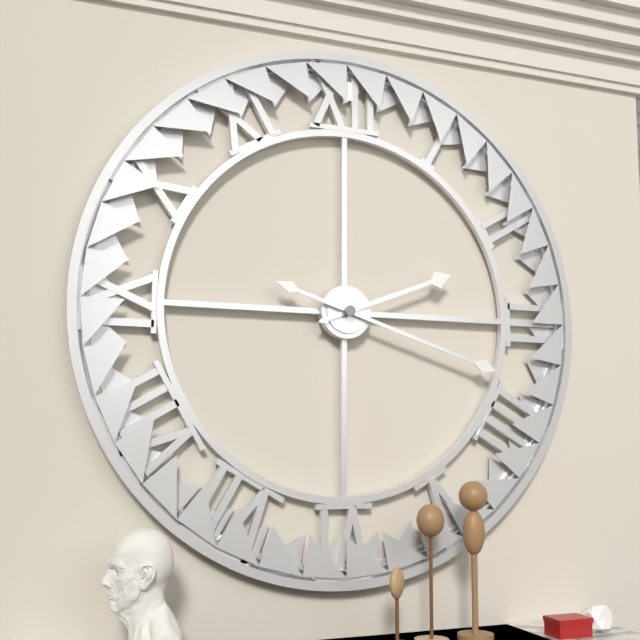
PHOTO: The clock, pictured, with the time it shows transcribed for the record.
2:18
